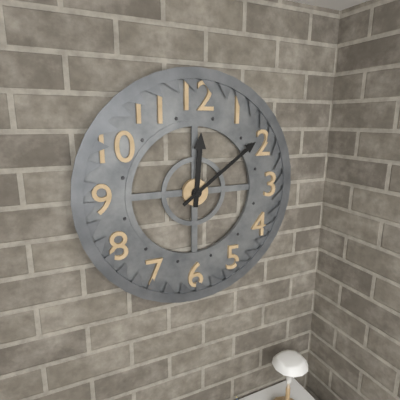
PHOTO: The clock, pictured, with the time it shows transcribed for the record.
12:09
